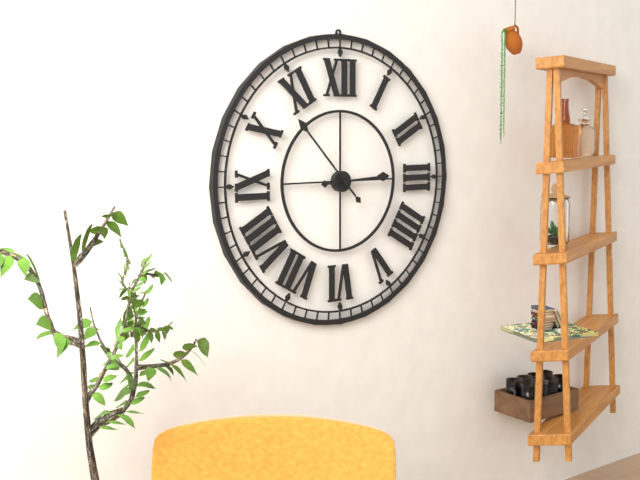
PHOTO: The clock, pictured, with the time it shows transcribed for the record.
2:53
